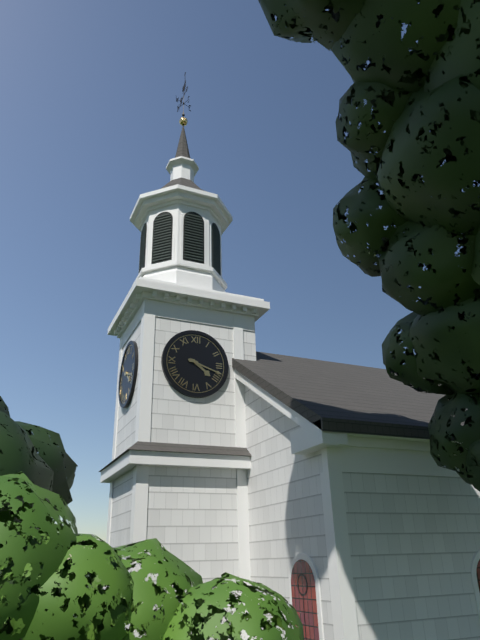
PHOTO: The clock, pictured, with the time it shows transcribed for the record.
4:18
